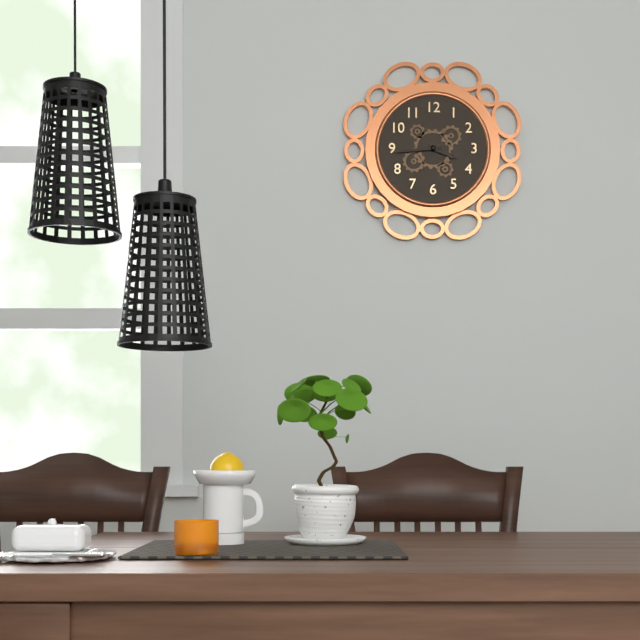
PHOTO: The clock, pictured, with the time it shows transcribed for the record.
3:44
